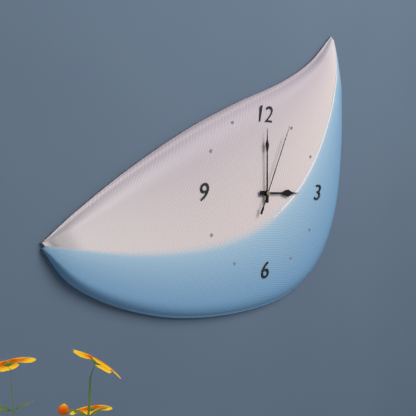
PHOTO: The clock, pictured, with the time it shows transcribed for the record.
3:00:04
